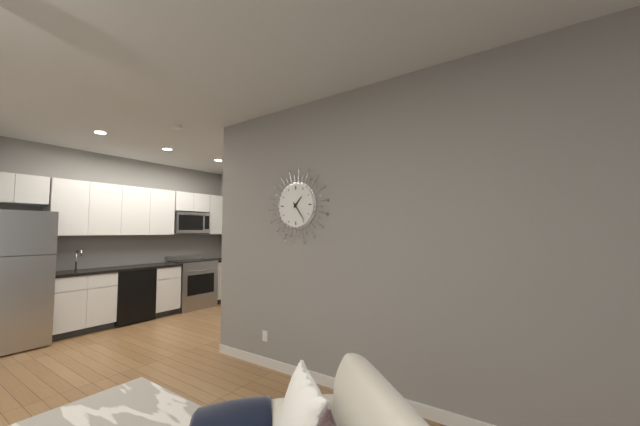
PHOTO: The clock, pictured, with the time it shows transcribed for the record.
1:24
